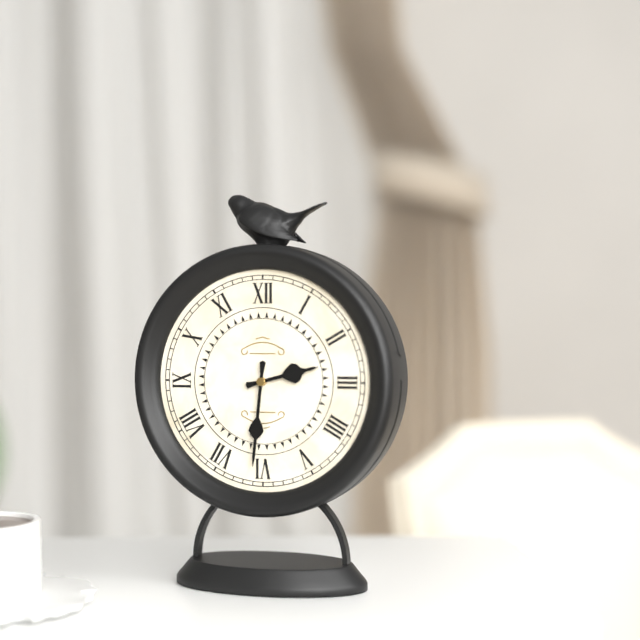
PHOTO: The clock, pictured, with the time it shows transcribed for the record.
2:31
